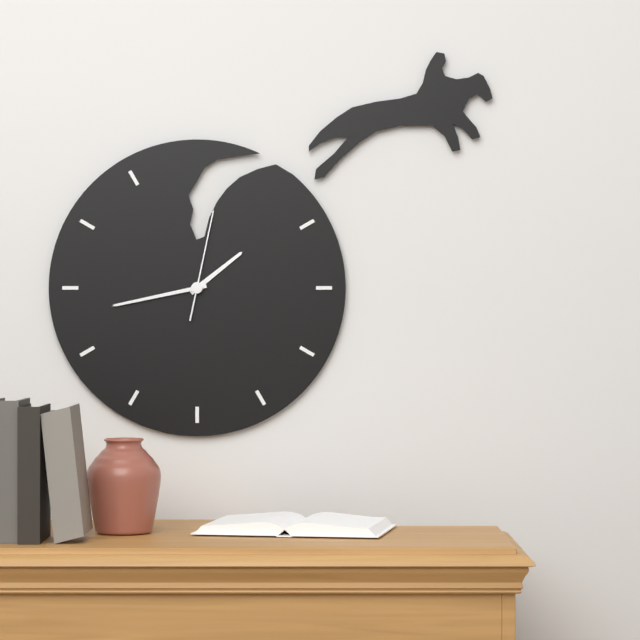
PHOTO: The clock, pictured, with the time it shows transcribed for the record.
1:43:02
